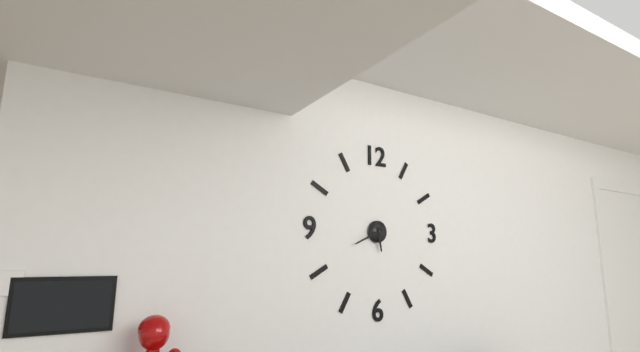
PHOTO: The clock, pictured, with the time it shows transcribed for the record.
5:41
